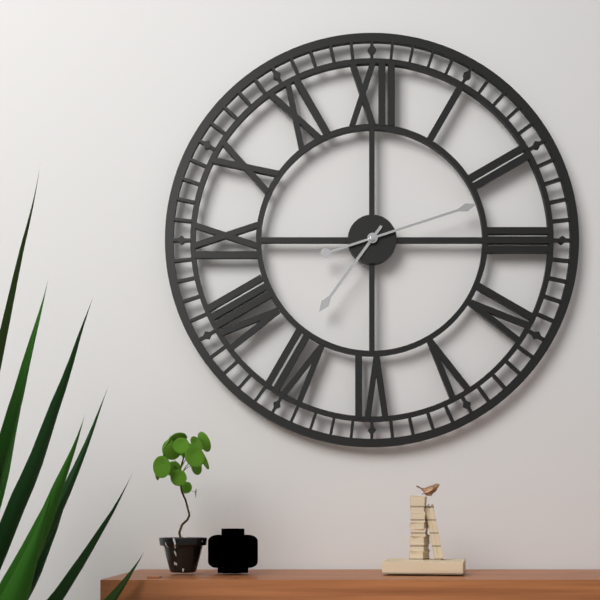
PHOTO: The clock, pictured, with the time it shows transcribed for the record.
7:12
